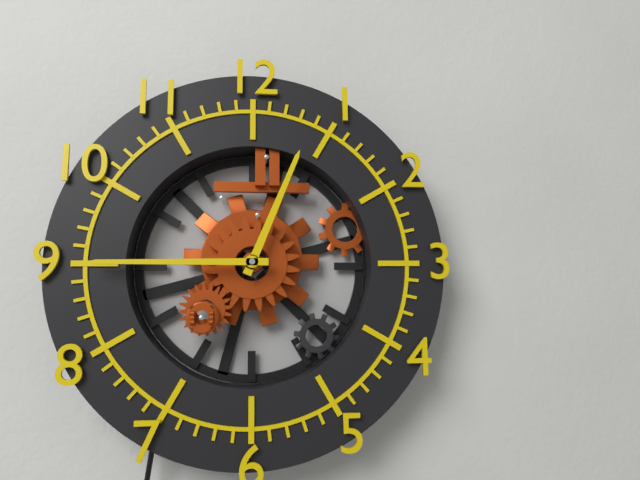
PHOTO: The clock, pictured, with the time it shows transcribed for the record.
12:45
